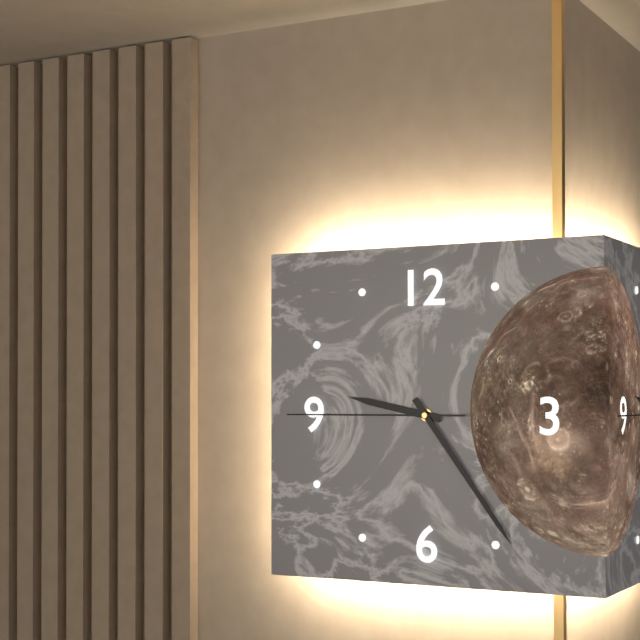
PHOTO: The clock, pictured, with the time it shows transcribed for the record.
9:24:45
